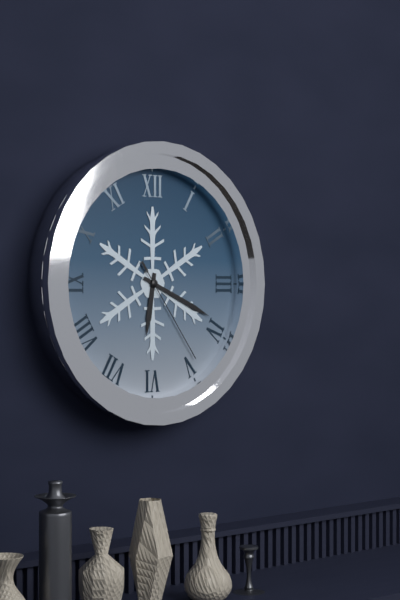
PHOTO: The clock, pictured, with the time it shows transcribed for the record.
6:19:24
